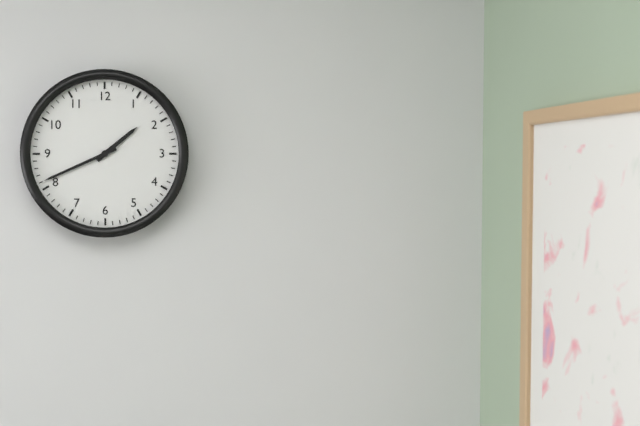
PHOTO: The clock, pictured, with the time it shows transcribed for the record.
1:41
